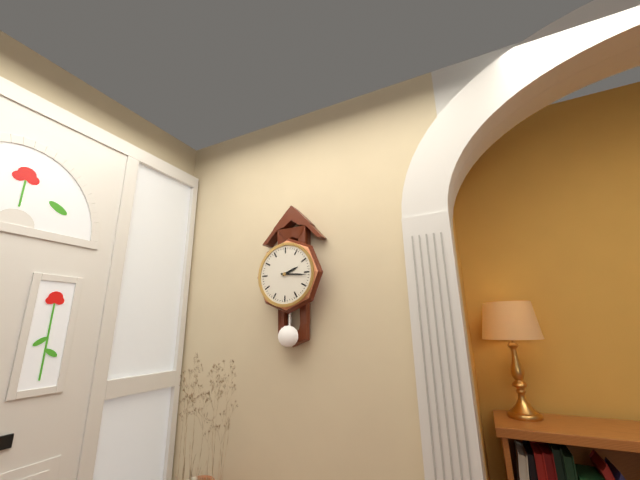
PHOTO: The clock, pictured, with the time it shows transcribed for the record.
2:16
